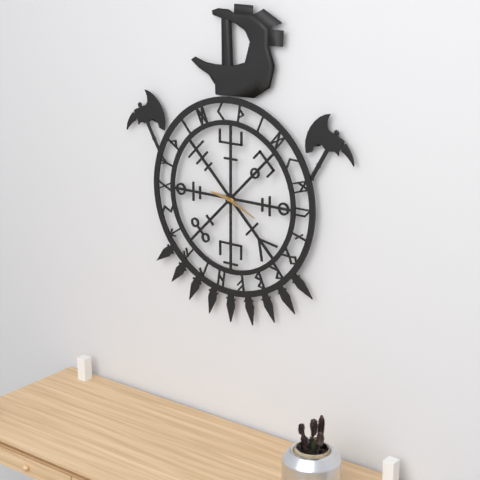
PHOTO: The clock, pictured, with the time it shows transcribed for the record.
9:19
